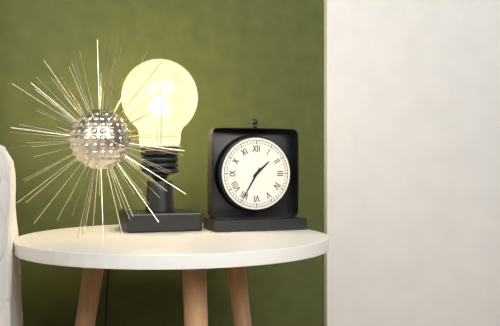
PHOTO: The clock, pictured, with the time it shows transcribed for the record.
1:35
